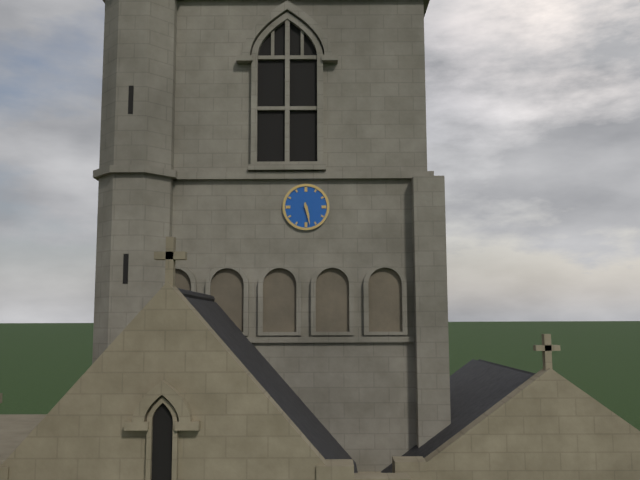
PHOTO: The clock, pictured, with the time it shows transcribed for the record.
5:28
